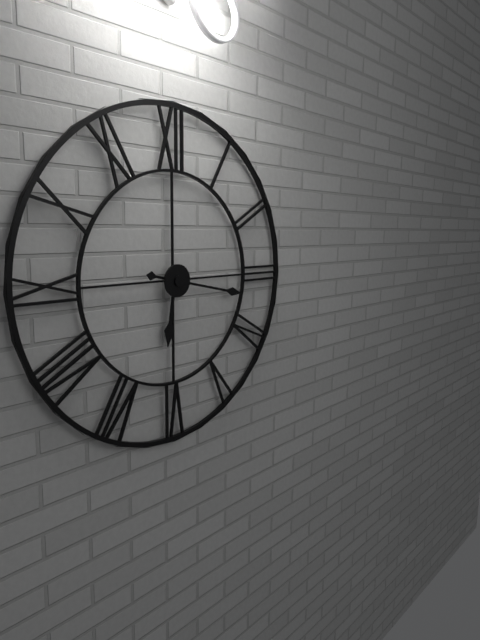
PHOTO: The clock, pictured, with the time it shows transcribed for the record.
6:17
